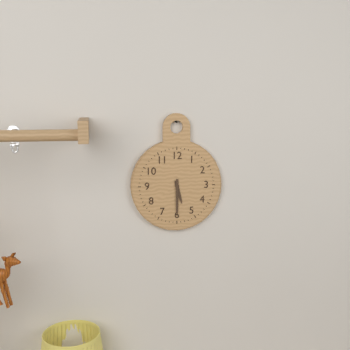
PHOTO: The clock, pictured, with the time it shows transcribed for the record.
5:30
